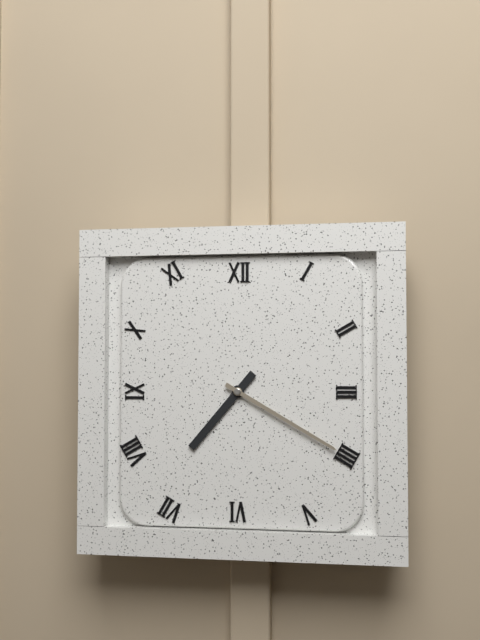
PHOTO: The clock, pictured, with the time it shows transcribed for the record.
7:20
